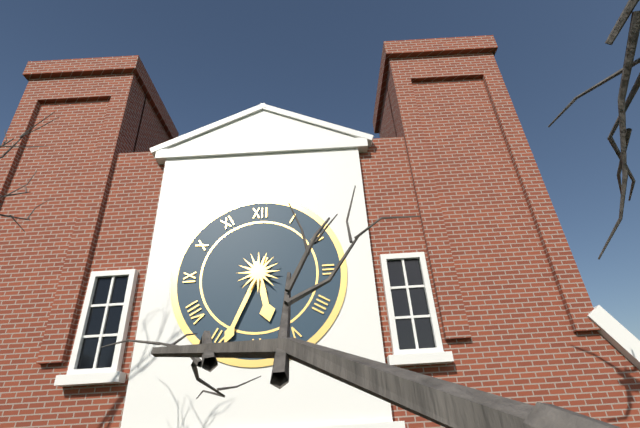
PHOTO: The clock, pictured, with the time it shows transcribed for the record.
5:34
